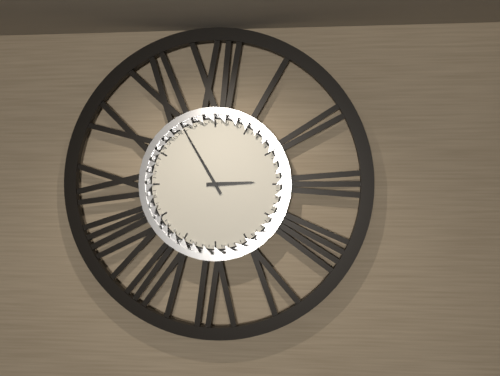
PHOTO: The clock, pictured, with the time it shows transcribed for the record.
2:55
